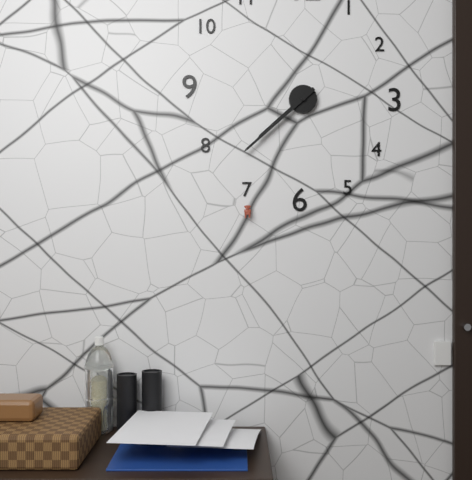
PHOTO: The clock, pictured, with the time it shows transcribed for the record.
7:38
